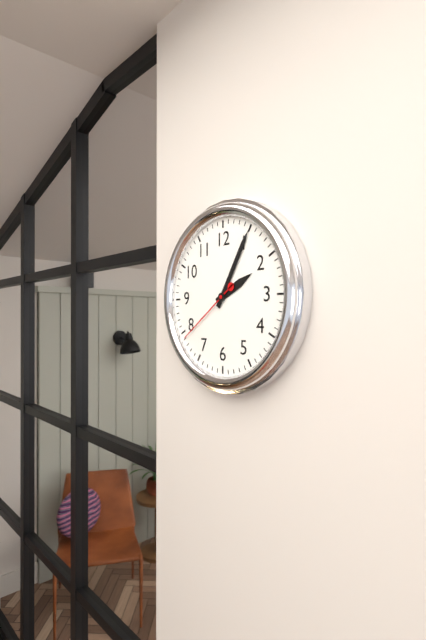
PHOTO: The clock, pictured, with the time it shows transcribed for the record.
2:05:39
